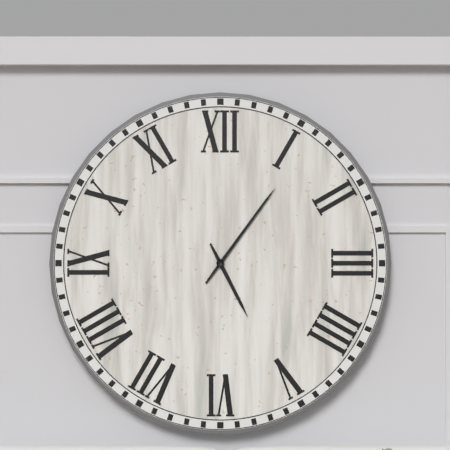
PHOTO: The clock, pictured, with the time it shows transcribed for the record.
5:06
